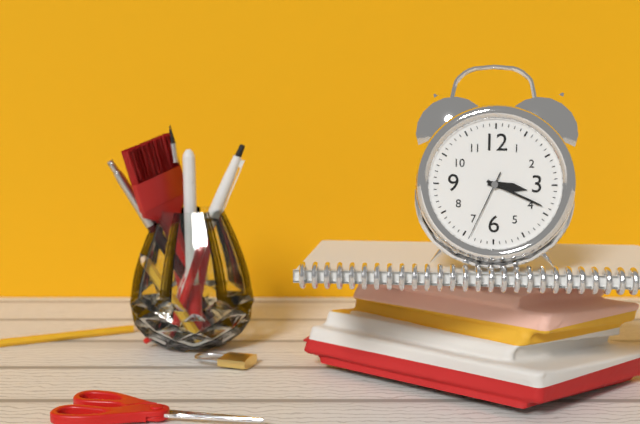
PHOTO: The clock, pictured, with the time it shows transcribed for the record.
3:19:34
